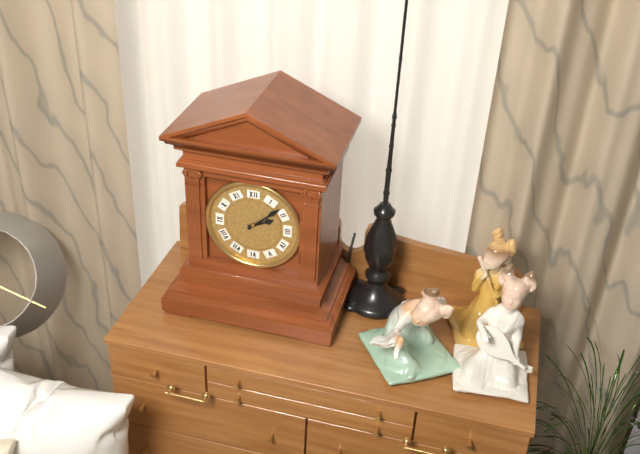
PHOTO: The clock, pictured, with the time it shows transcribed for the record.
2:08
